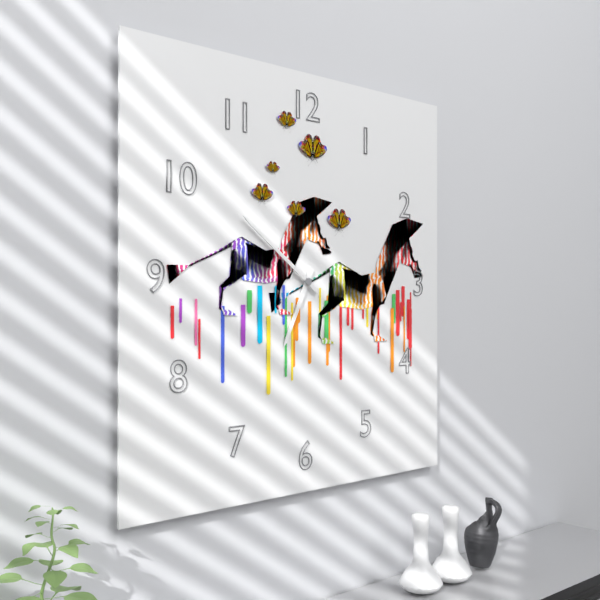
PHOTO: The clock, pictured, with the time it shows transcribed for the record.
6:51
